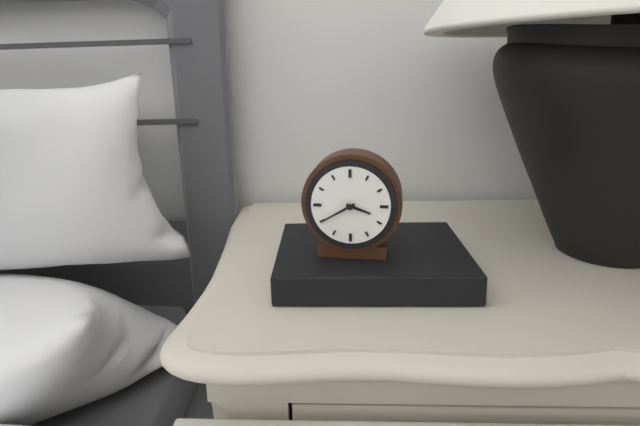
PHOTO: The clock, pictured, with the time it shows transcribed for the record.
3:40
